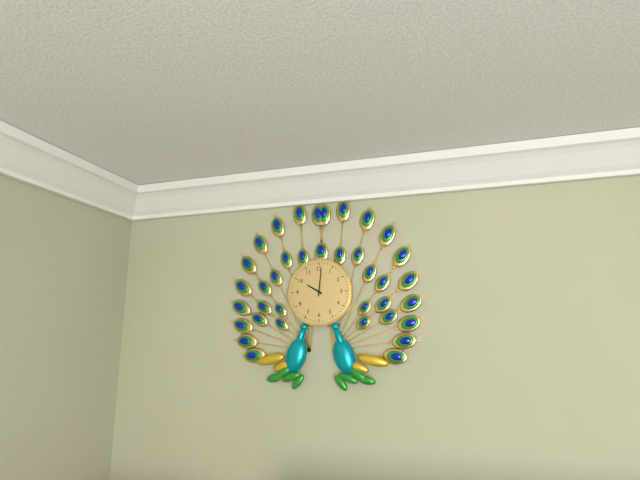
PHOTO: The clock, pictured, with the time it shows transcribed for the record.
10:01
